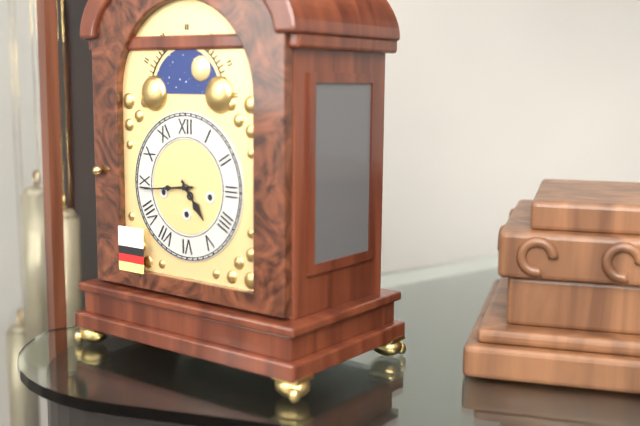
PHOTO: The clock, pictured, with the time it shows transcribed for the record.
4:44
